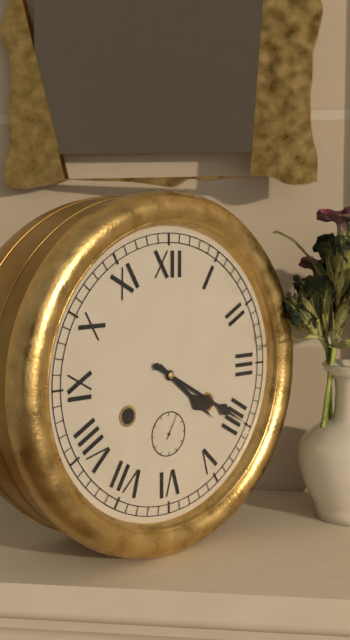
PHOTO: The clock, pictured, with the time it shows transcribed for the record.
4:20
